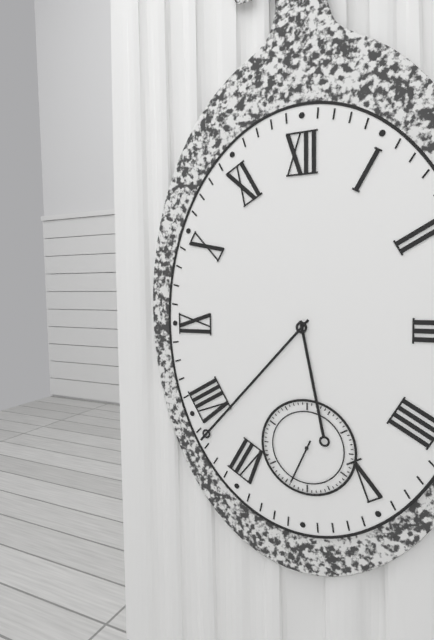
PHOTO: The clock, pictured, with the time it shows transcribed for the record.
5:37
